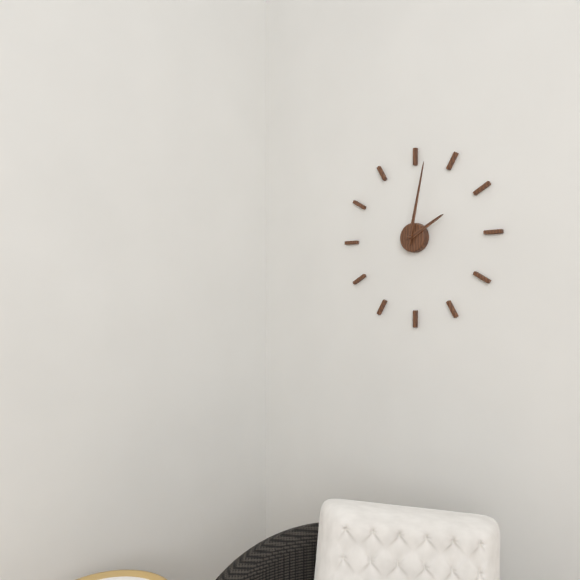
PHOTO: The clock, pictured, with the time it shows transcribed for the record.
2:02
